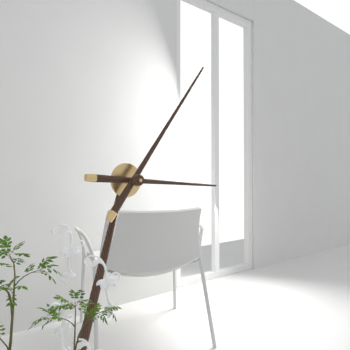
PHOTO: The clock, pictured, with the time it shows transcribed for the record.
3:06
